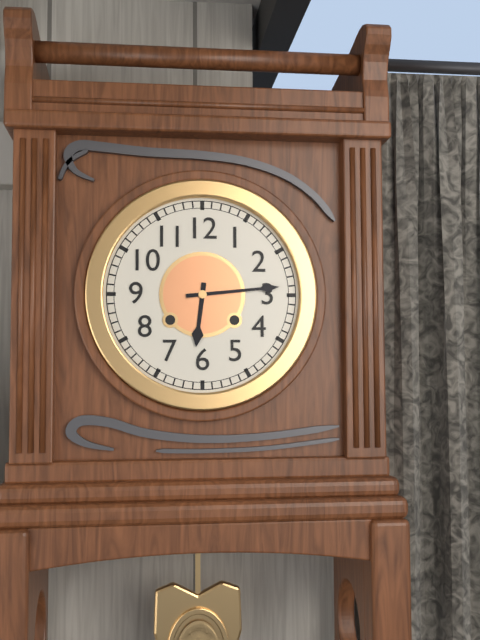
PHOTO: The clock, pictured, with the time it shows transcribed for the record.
6:14
